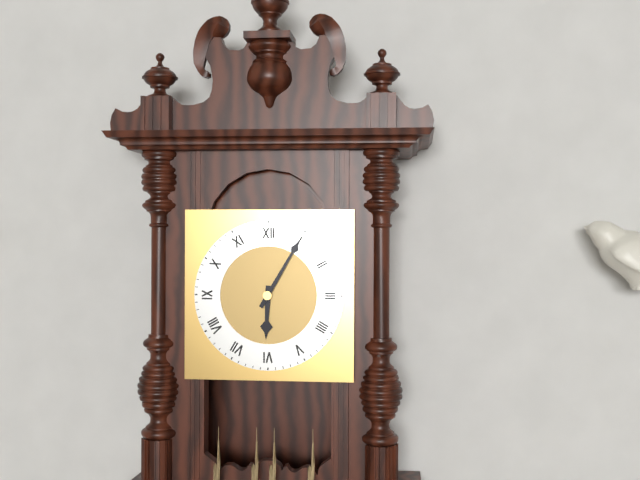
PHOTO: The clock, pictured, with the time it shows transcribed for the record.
6:05
